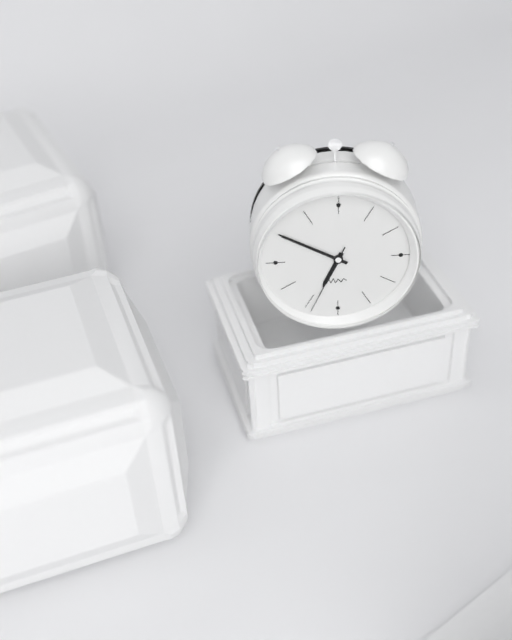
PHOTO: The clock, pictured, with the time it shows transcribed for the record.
6:50:34
